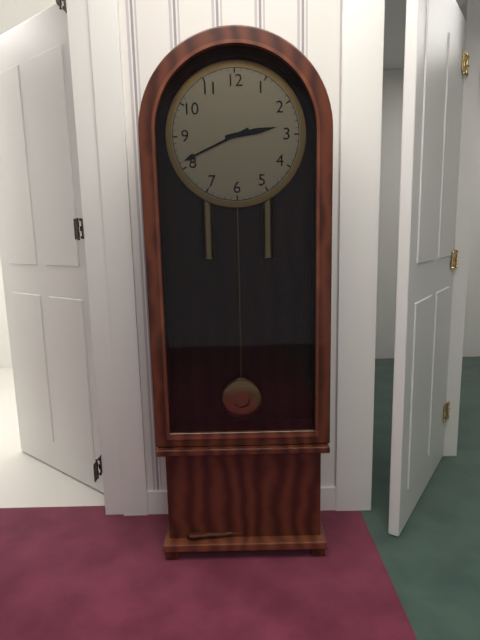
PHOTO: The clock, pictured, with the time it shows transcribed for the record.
2:41
